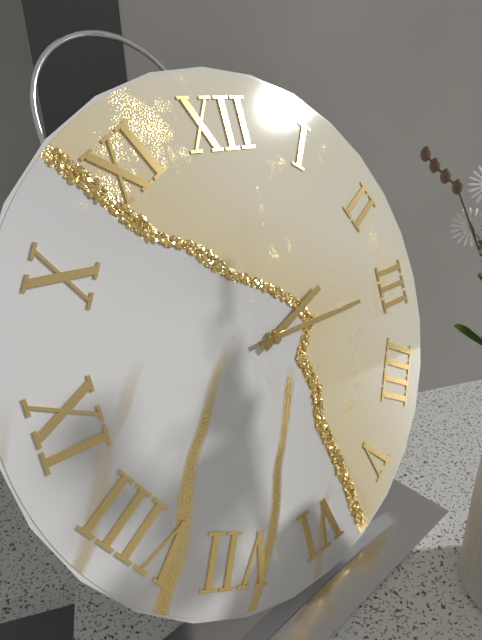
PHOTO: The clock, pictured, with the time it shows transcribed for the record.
2:15
